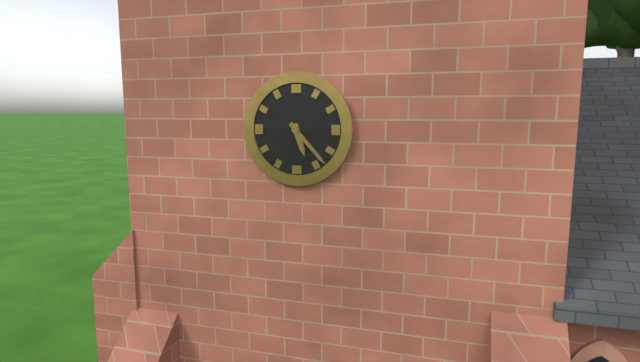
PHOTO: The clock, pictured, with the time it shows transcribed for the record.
5:23
